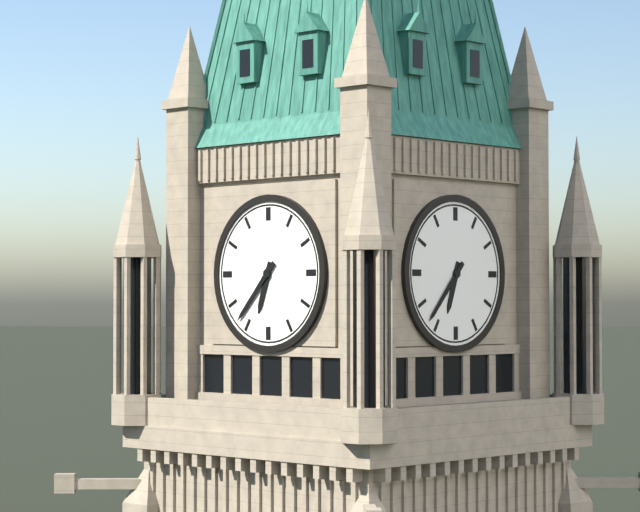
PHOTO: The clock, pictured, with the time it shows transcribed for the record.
6:37
